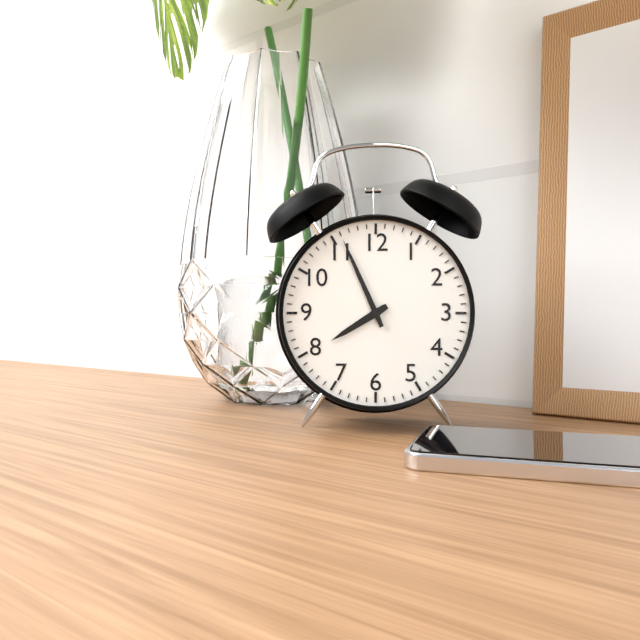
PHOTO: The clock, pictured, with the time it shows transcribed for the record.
7:56
